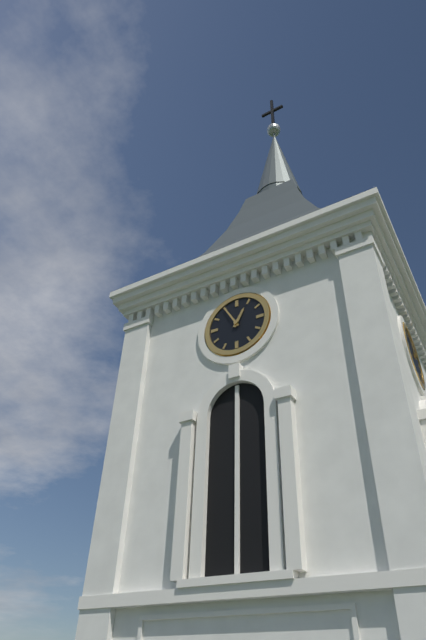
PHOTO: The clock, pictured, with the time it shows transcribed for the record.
12:55
